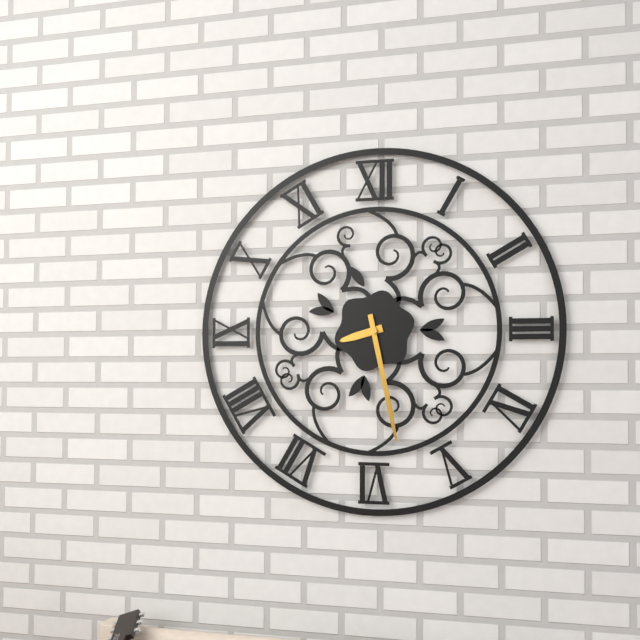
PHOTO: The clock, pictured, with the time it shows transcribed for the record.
8:28
